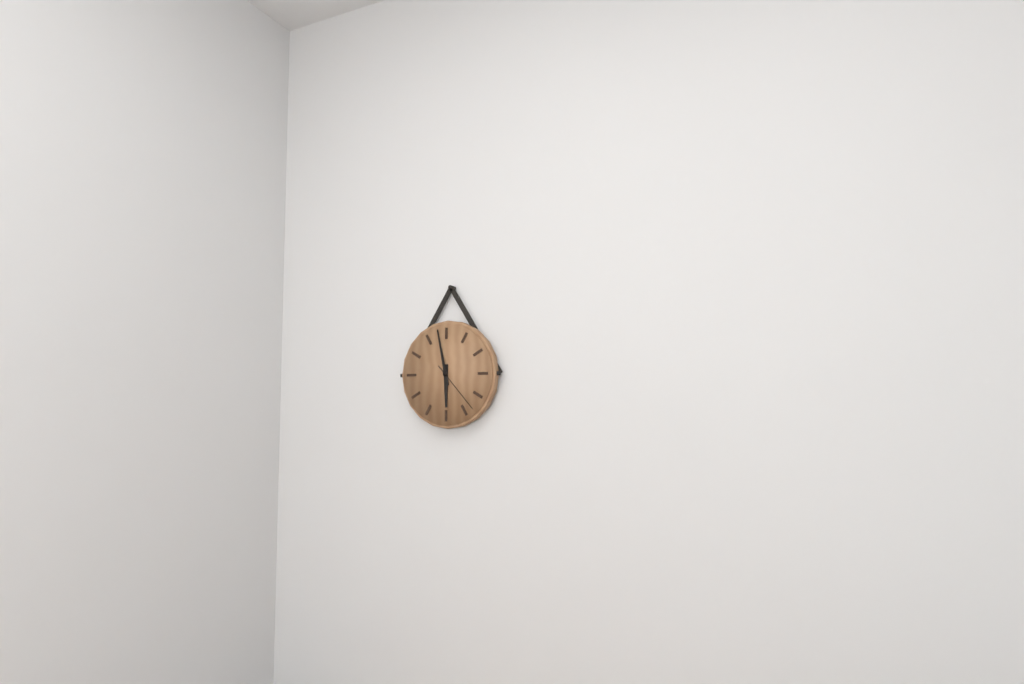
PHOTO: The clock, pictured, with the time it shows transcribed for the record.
5:58:23
